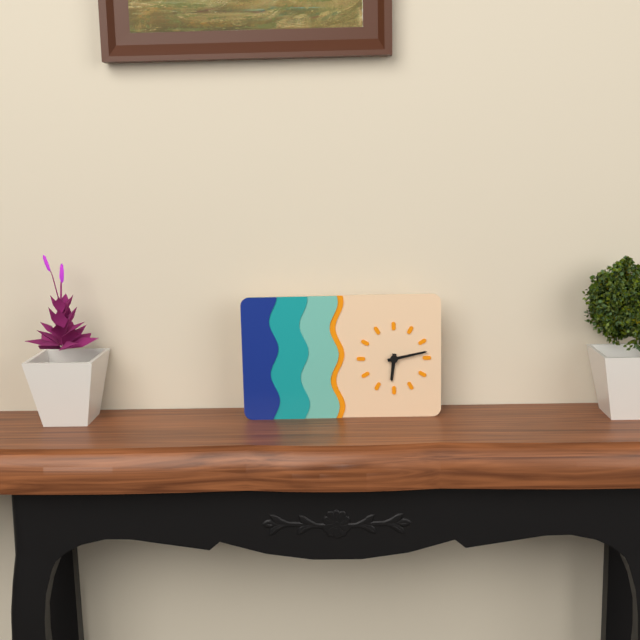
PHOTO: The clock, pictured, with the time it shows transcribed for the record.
6:13
